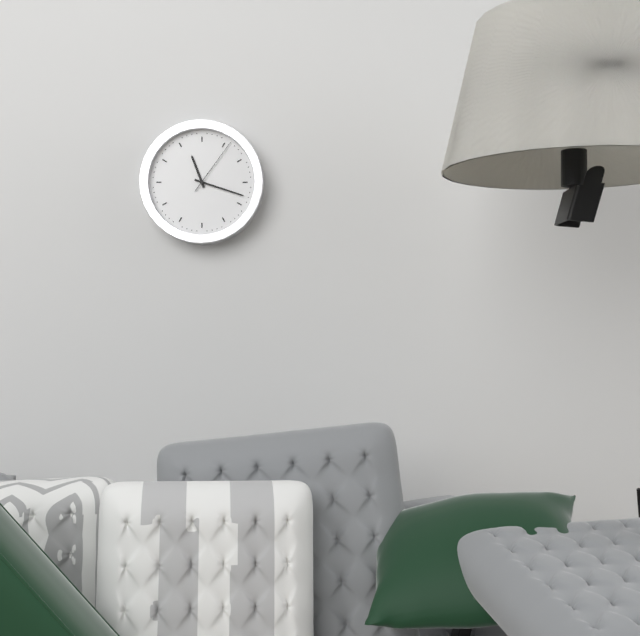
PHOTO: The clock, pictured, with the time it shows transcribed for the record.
11:18:06
